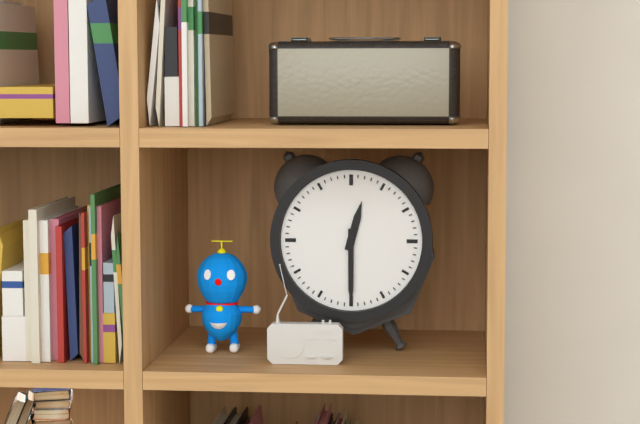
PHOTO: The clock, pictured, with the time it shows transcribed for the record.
12:30
